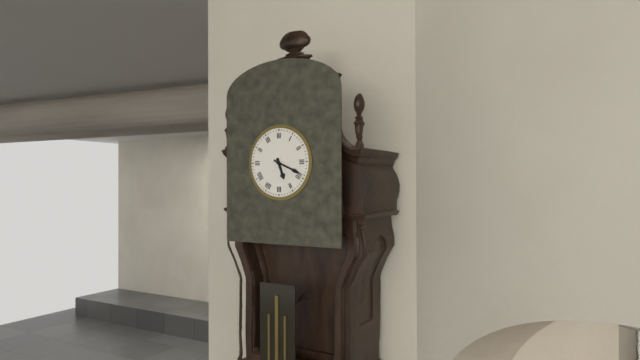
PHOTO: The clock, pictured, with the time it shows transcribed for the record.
5:19
